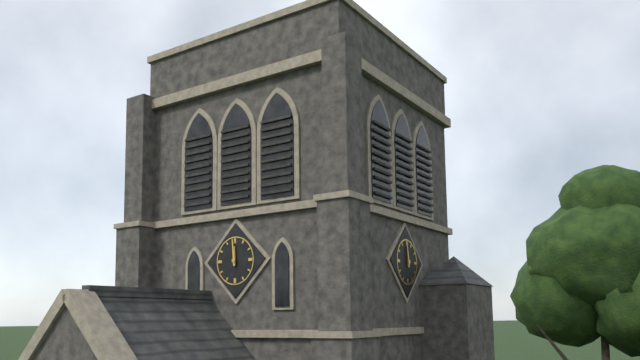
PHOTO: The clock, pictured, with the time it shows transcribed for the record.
11:59
